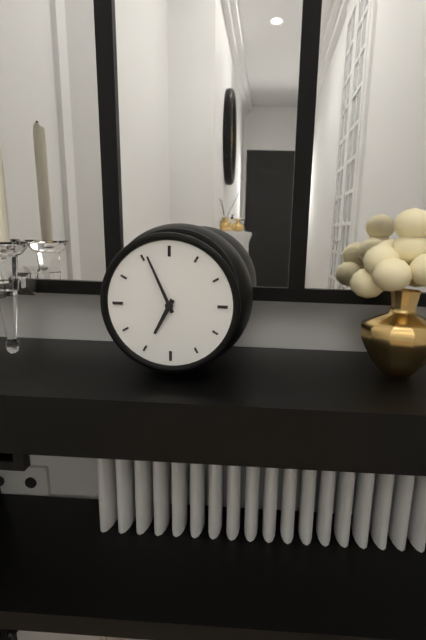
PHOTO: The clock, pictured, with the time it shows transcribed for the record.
6:56
